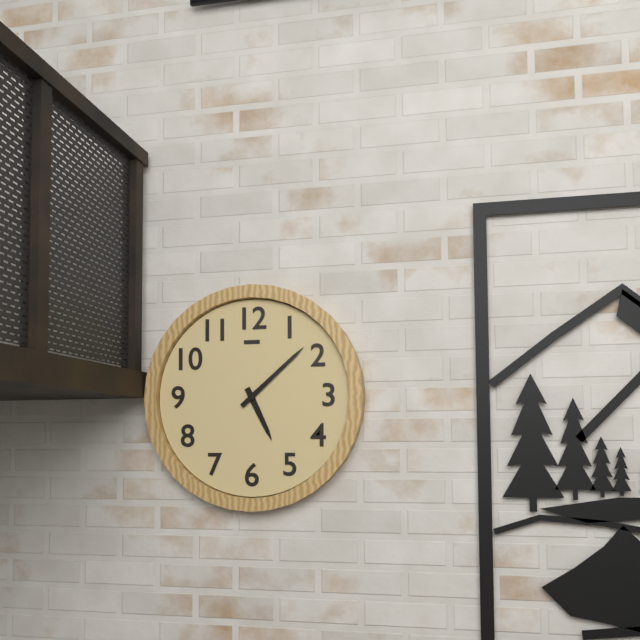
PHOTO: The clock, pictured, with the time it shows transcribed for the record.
5:08
